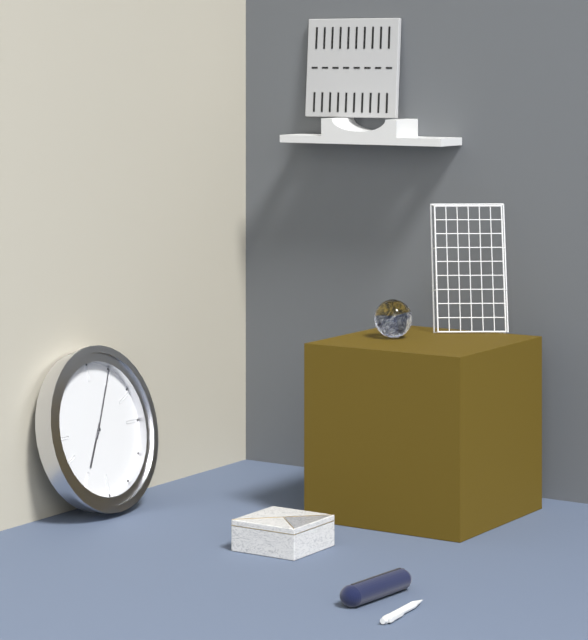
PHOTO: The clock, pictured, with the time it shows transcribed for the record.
7:05
